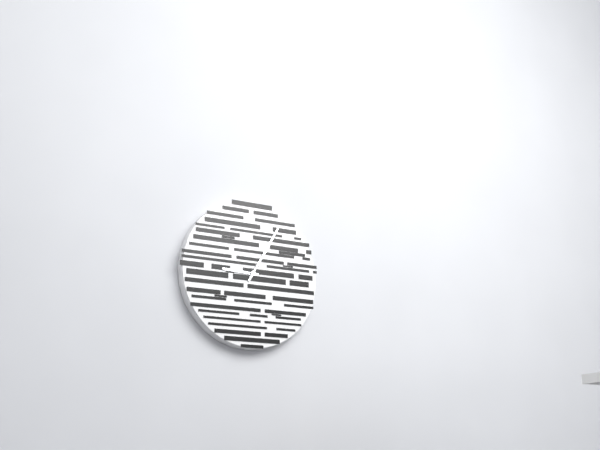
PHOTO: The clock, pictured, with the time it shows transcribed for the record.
9:05
